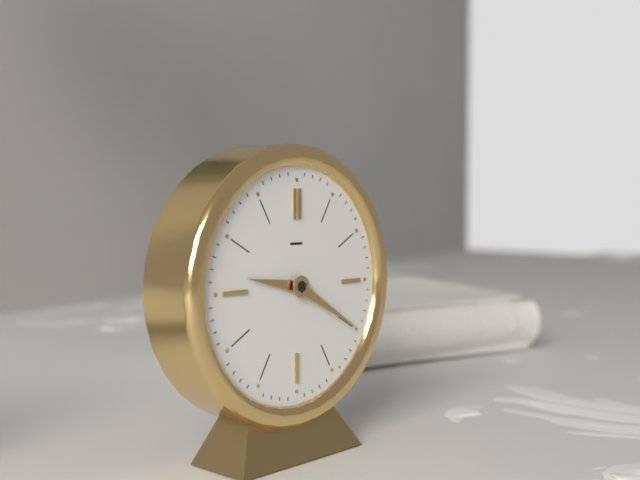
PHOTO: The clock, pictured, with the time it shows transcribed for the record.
9:20
